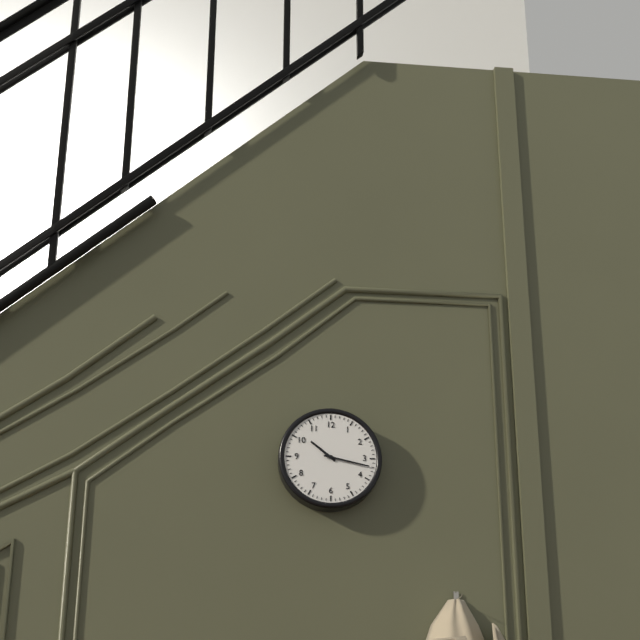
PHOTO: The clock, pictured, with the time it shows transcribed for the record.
10:17
